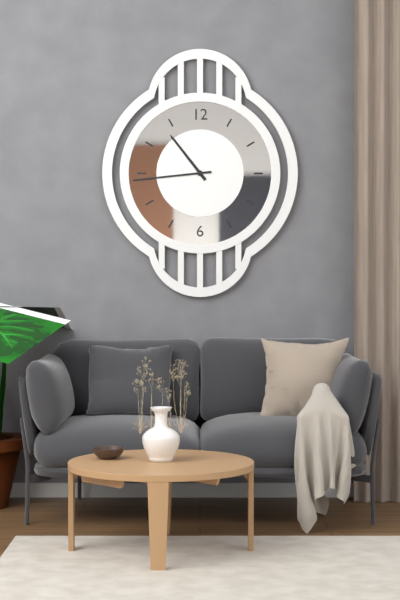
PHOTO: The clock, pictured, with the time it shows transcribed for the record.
10:44
